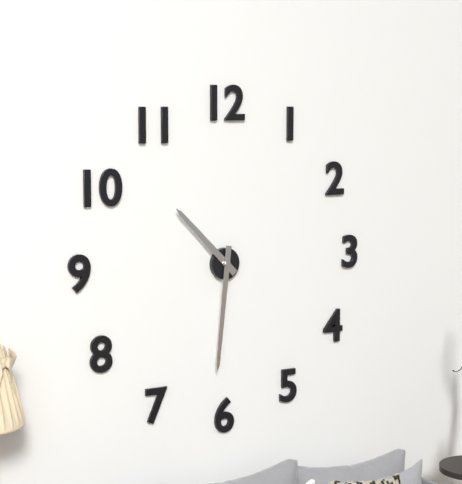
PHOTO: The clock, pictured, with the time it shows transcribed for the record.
10:31
